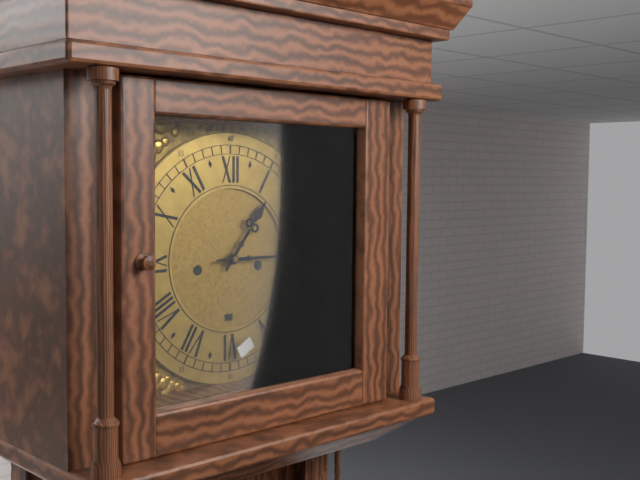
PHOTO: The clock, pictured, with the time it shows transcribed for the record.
1:15
